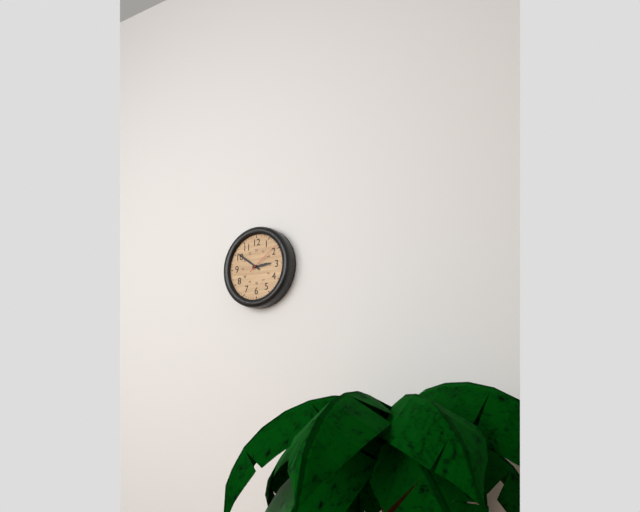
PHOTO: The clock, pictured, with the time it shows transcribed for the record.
2:51
